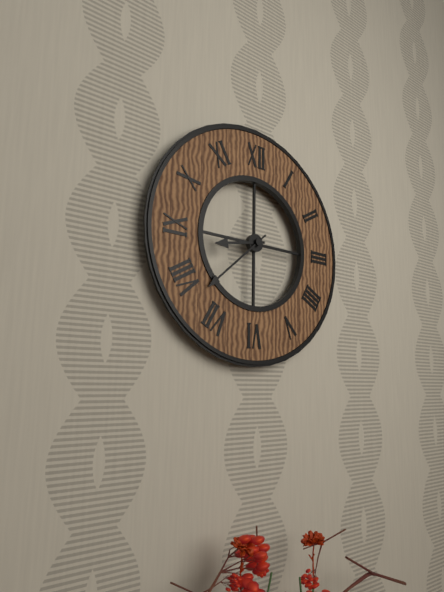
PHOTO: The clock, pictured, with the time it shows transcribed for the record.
8:38
